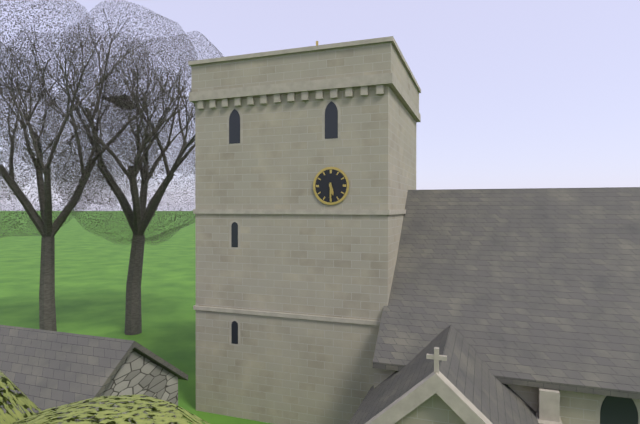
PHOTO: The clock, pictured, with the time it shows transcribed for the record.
5:30
